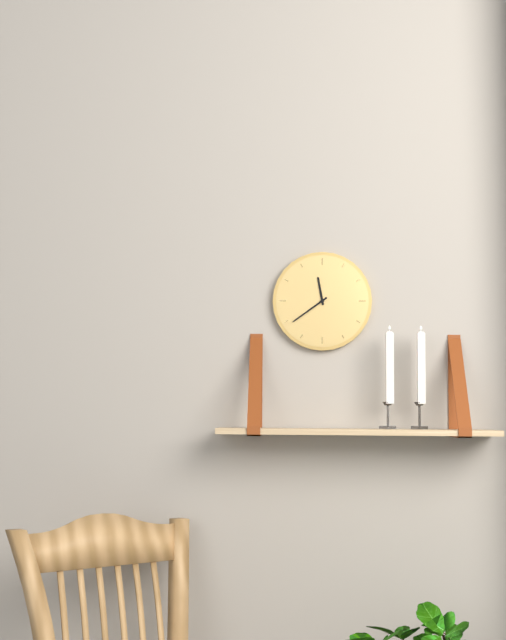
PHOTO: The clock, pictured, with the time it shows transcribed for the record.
11:39
